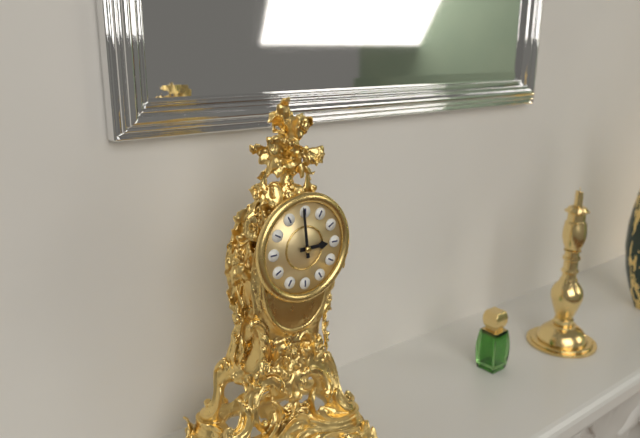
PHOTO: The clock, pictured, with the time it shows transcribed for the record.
2:59
